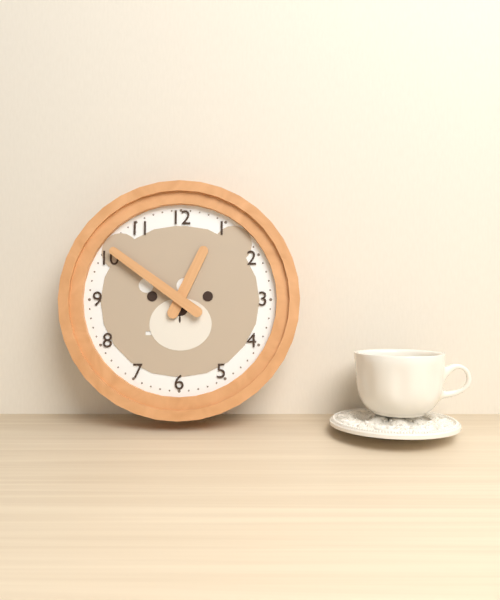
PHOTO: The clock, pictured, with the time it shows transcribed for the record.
12:51
